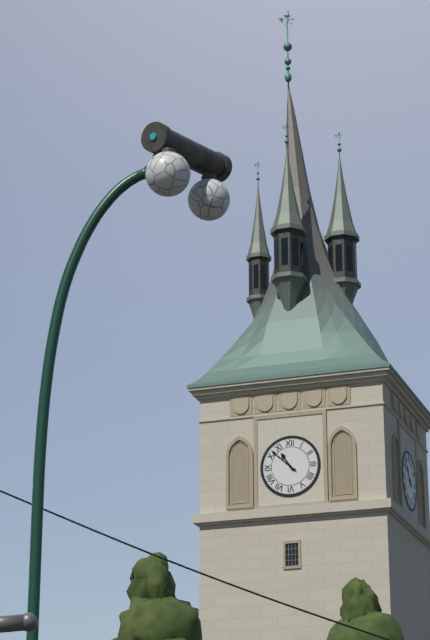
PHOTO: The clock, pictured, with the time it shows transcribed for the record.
10:52
